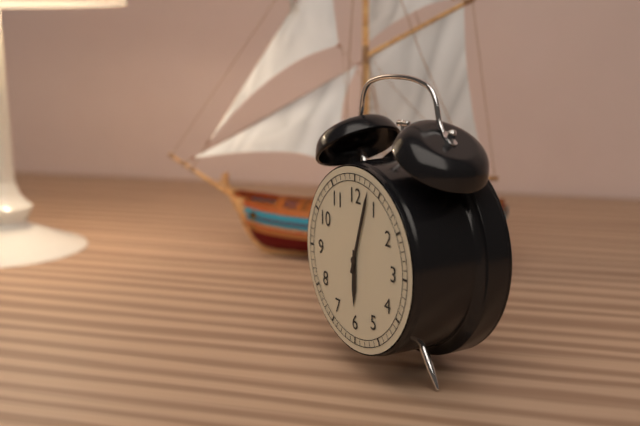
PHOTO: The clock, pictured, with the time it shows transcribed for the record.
6:03
